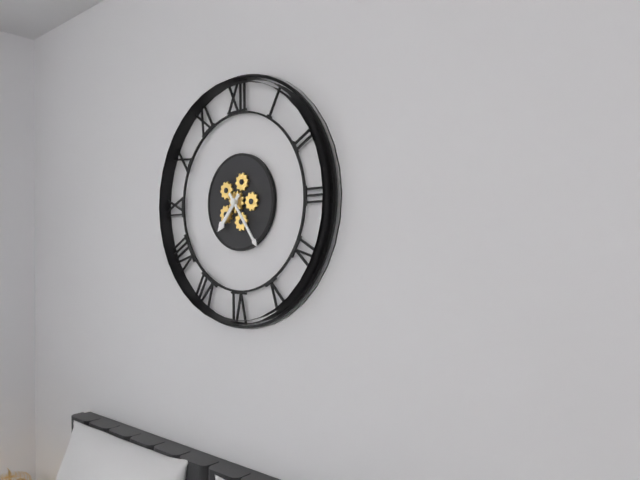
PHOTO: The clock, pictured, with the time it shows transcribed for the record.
7:24
